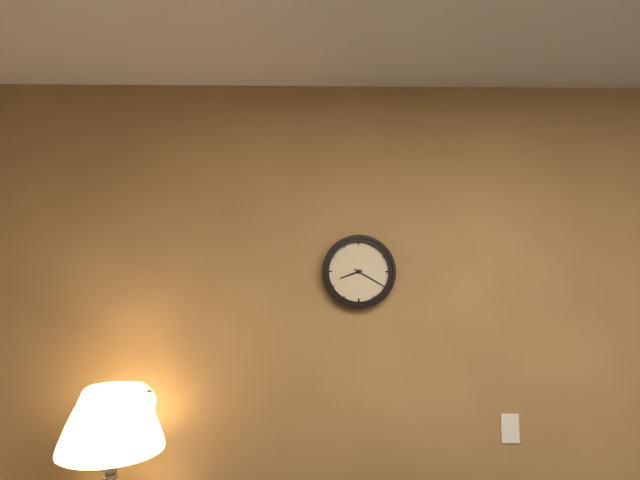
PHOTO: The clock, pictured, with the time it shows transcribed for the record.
8:20
